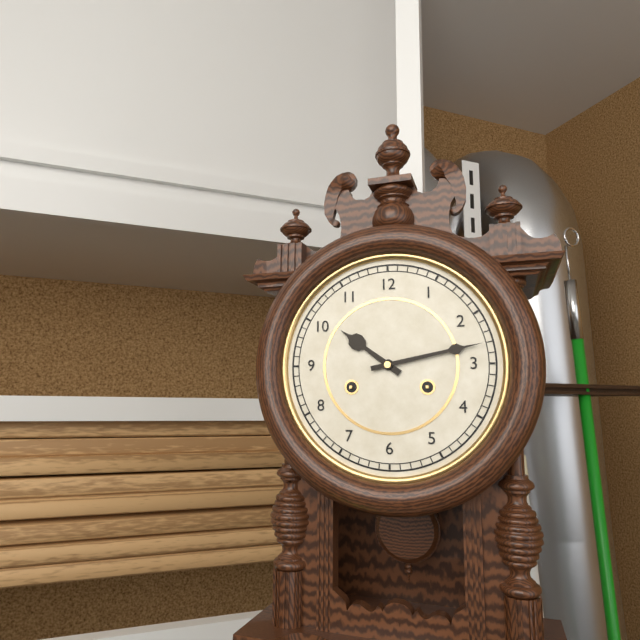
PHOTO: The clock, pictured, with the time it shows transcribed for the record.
10:13
